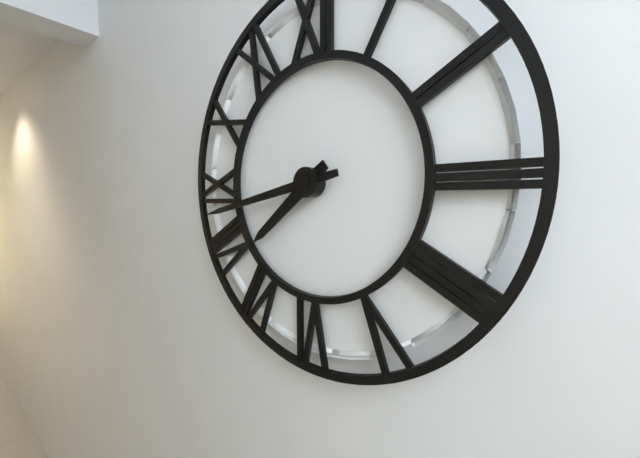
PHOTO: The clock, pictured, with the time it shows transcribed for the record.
7:43
